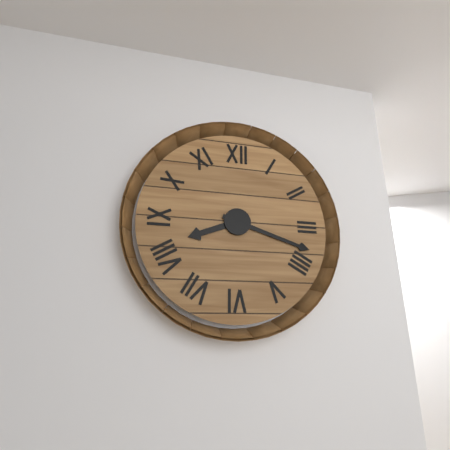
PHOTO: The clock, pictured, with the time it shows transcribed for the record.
8:18
